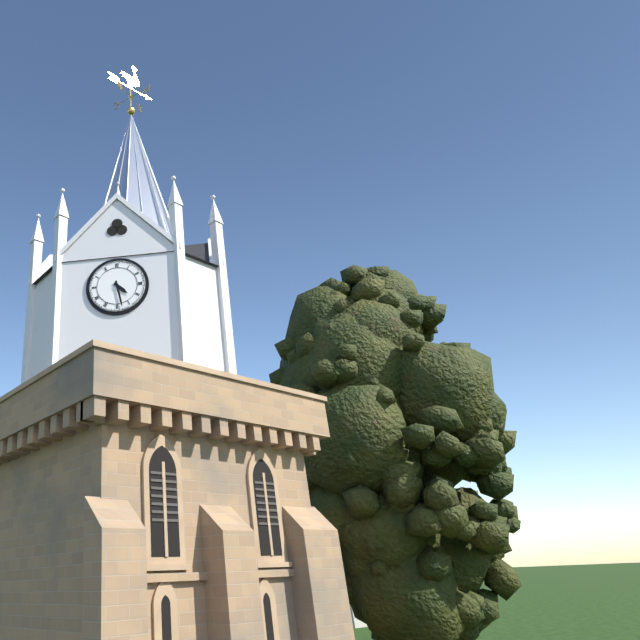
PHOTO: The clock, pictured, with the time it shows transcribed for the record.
4:28
